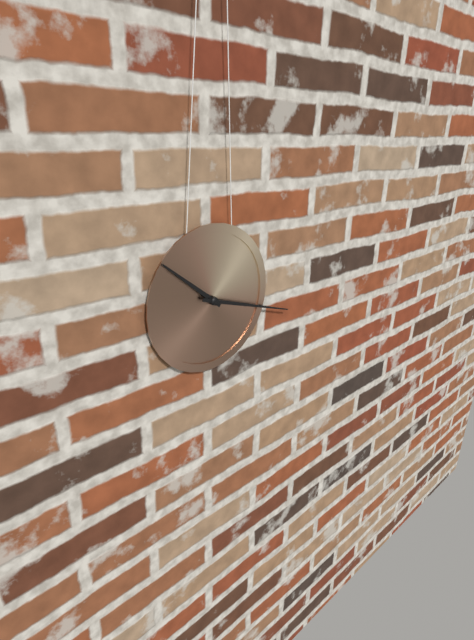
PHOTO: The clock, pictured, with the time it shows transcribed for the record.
10:18
